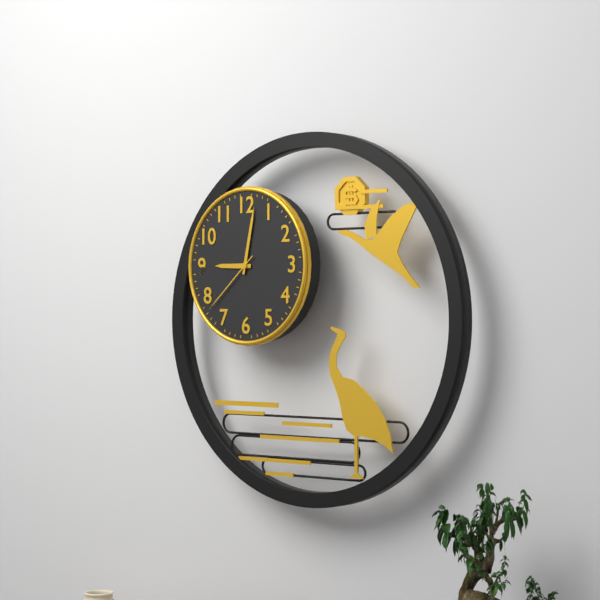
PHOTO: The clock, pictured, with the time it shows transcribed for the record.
9:02:38
